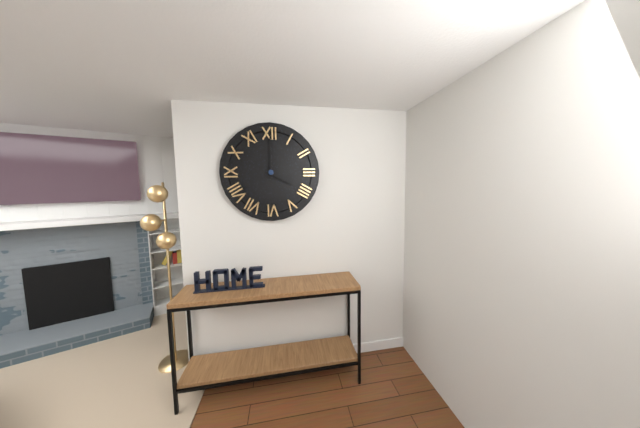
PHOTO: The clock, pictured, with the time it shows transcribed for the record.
4:00
